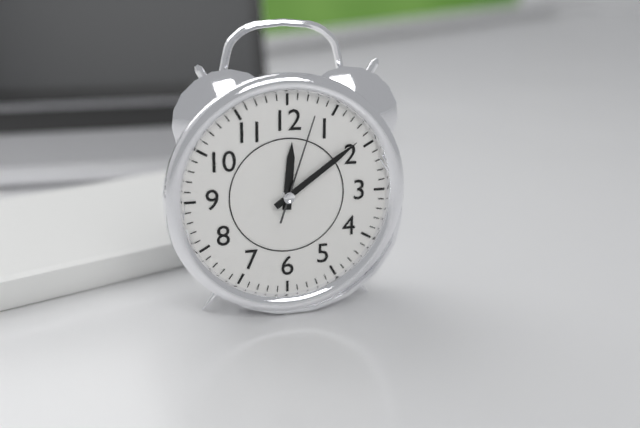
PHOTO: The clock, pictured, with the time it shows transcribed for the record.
12:09:03
